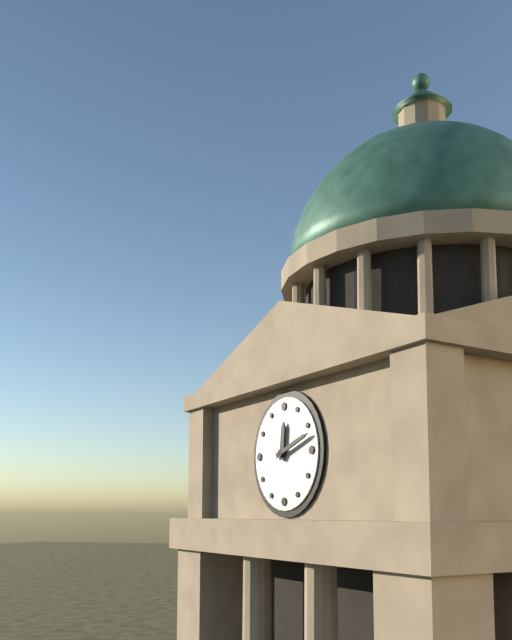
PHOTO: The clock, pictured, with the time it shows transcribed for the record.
12:12
